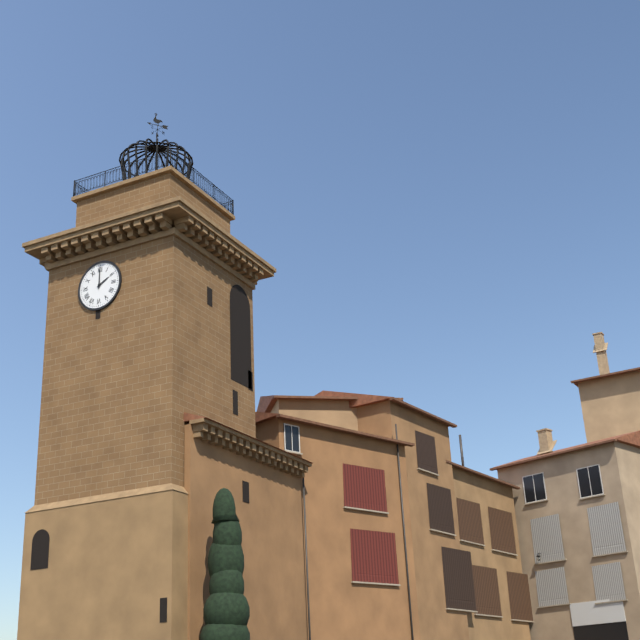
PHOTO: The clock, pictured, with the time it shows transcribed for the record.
2:00
